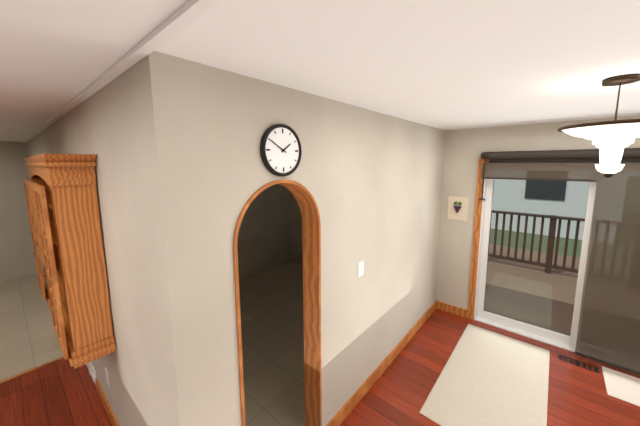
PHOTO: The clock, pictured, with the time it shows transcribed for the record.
1:50
